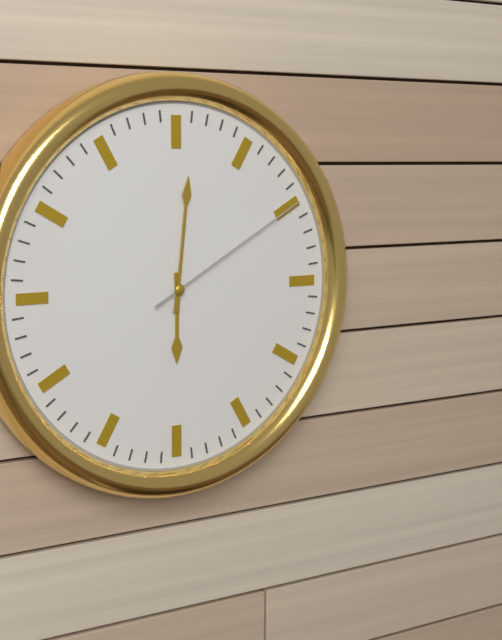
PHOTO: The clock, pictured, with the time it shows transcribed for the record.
6:01:10
